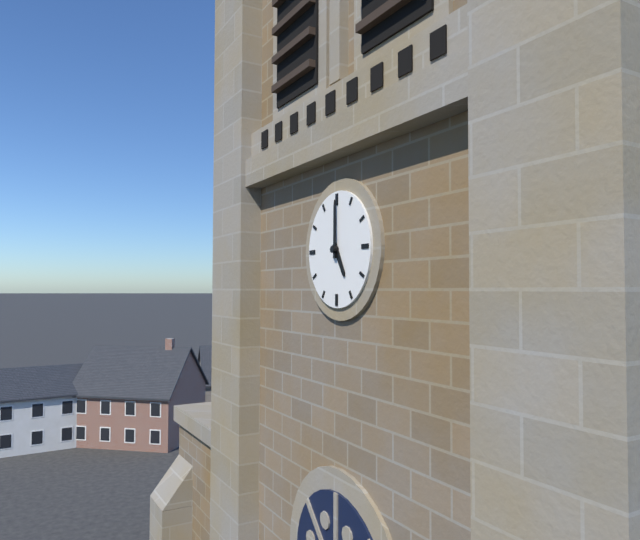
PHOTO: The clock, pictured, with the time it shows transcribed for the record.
5:00
